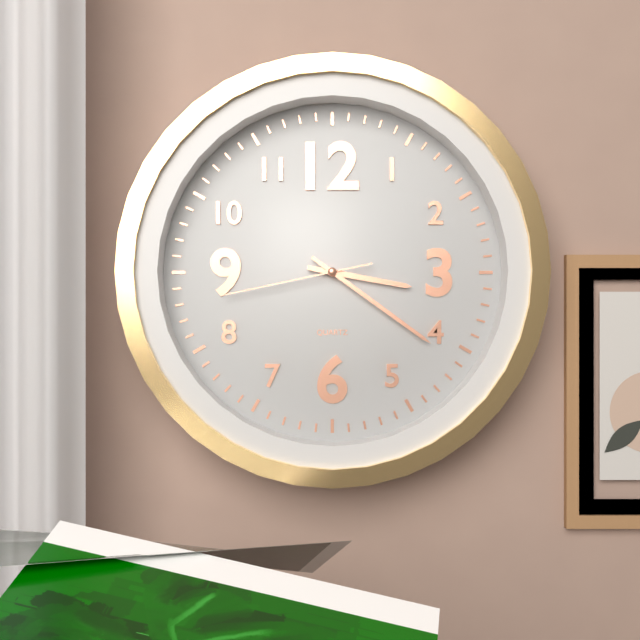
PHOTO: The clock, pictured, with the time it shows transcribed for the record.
3:21:43
